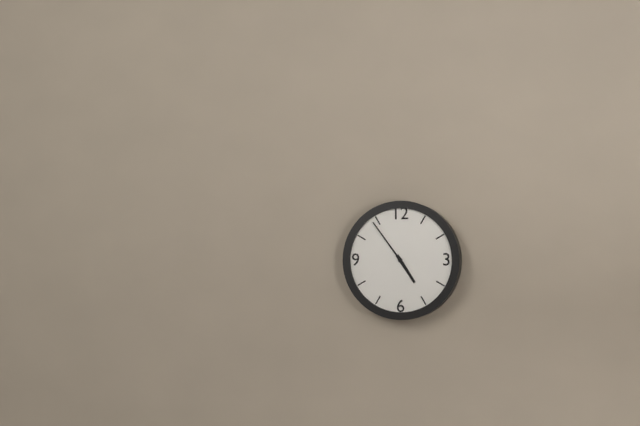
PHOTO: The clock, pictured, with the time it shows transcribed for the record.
4:54
